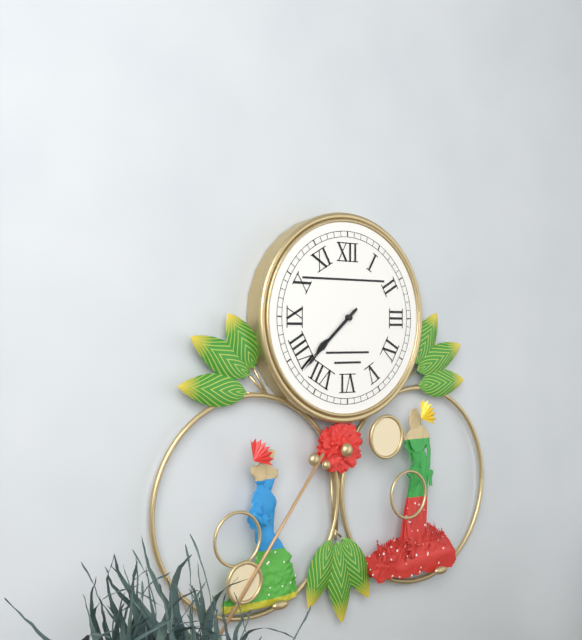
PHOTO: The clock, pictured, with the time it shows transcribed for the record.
7:38
